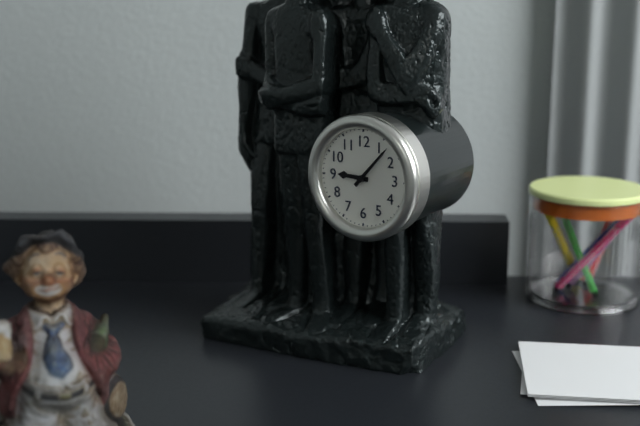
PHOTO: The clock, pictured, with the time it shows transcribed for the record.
9:07
